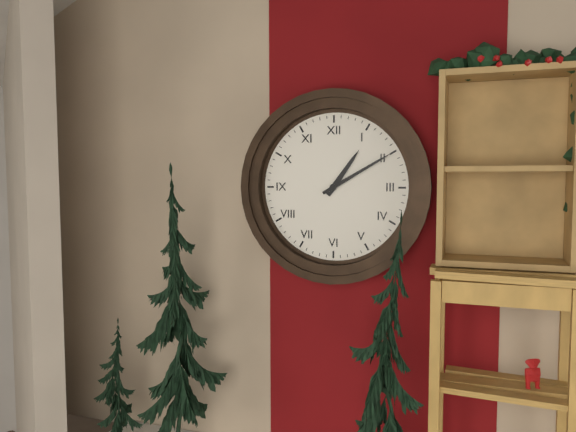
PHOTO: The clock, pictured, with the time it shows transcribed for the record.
1:10
